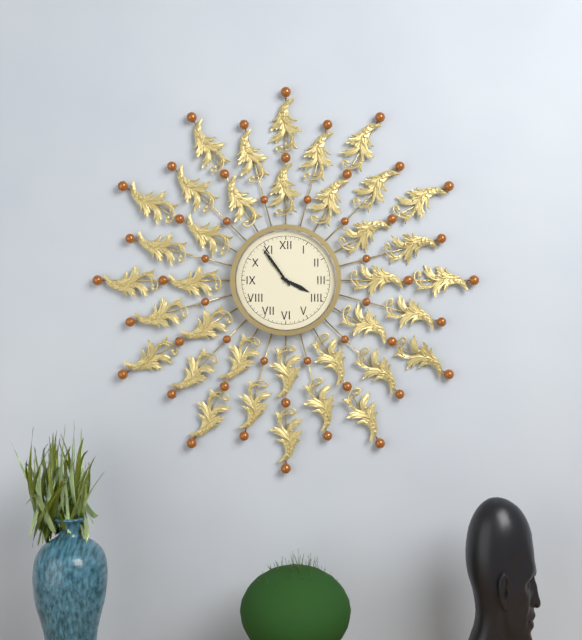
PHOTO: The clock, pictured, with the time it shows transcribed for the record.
3:54
